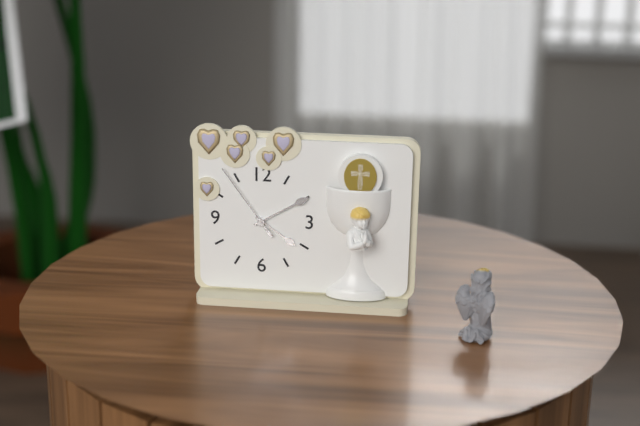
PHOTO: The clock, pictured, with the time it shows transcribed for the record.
4:10:54
